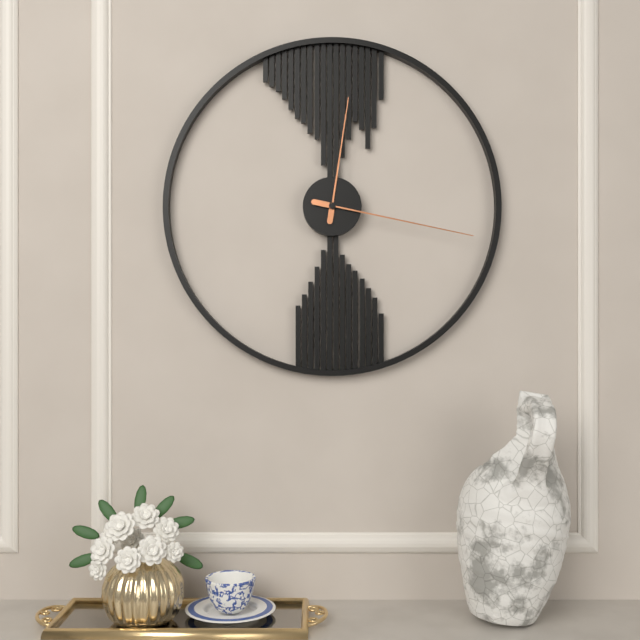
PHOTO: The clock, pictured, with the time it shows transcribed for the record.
12:17
